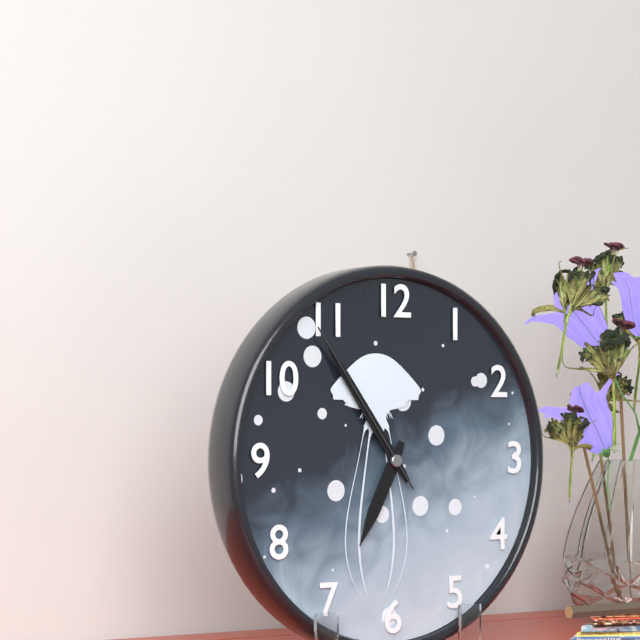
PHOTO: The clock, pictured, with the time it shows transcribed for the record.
6:54:54
